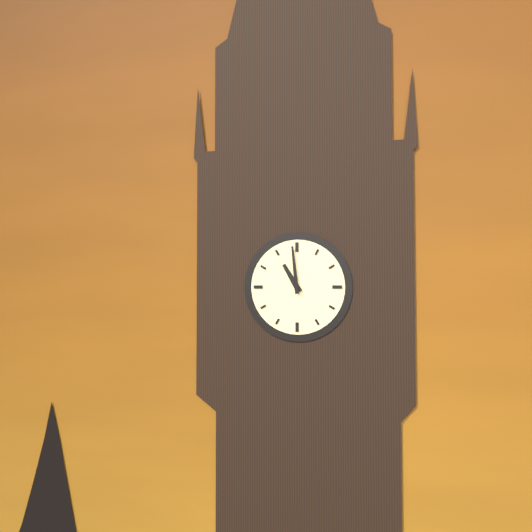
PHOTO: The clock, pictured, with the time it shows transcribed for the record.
10:59
